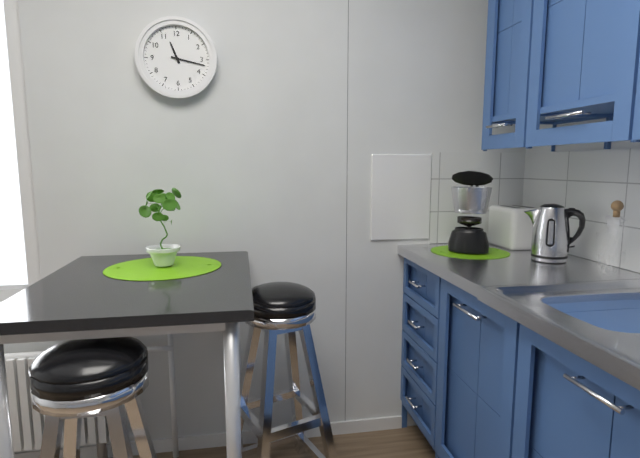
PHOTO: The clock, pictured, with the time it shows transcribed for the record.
11:17
